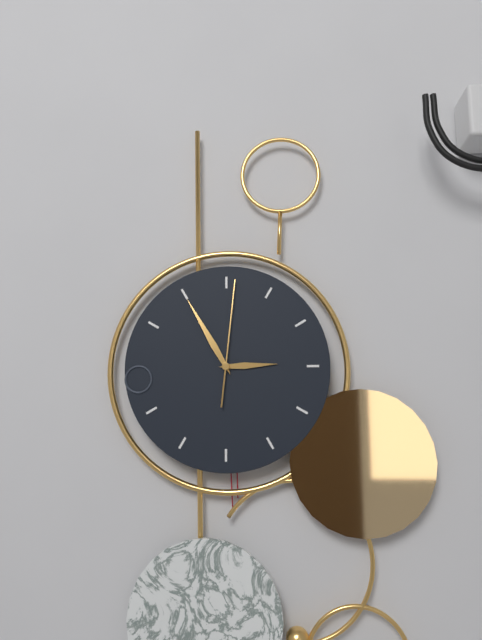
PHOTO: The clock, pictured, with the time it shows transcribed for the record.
2:55:01
